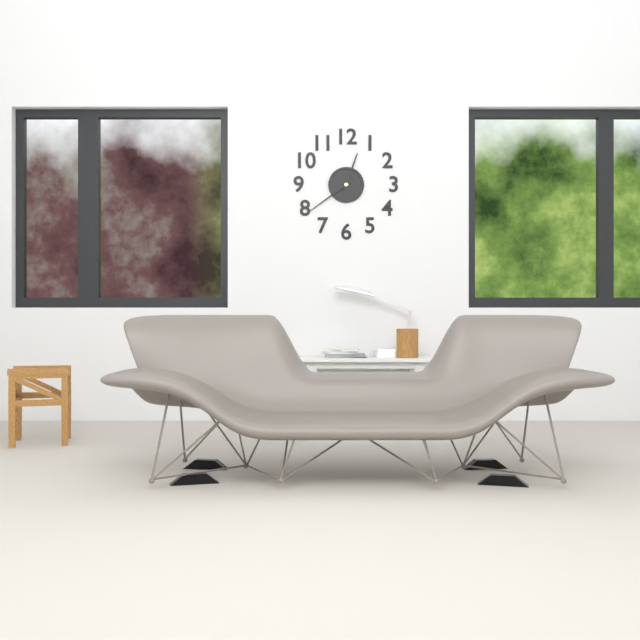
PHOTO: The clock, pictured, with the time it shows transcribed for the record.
12:39
